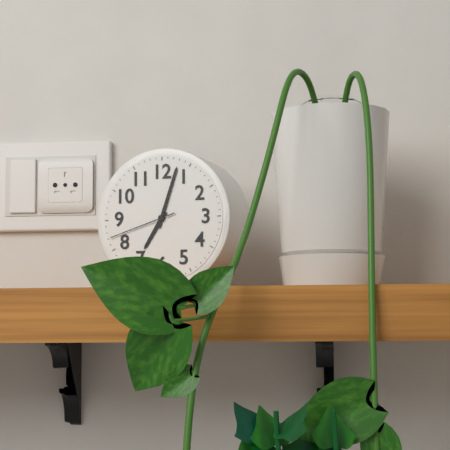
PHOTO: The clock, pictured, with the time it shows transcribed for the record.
7:03:42
